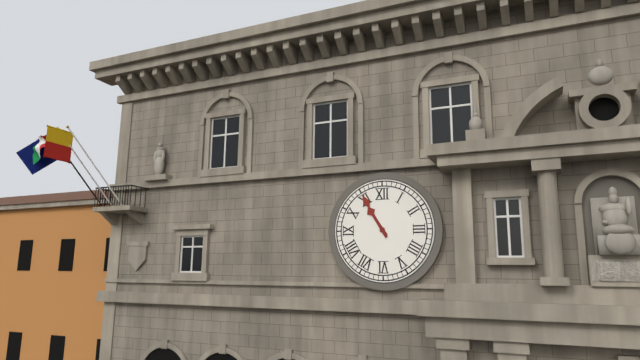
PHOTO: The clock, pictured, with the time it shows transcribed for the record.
10:55
